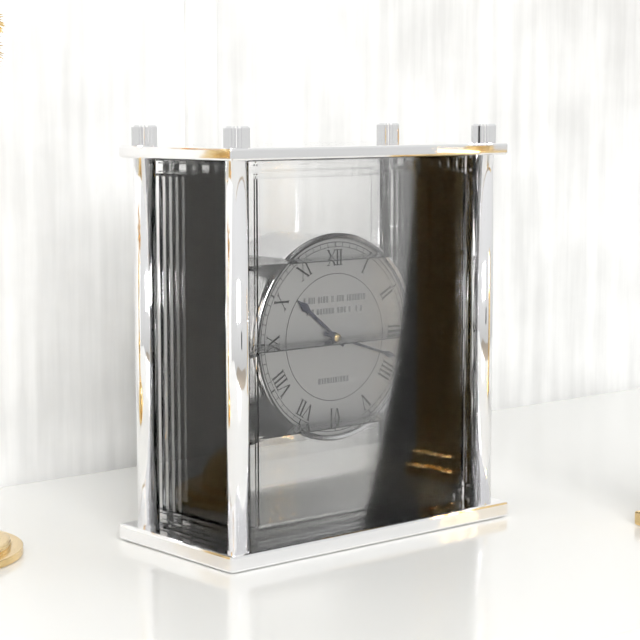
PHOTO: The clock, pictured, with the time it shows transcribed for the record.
10:18
